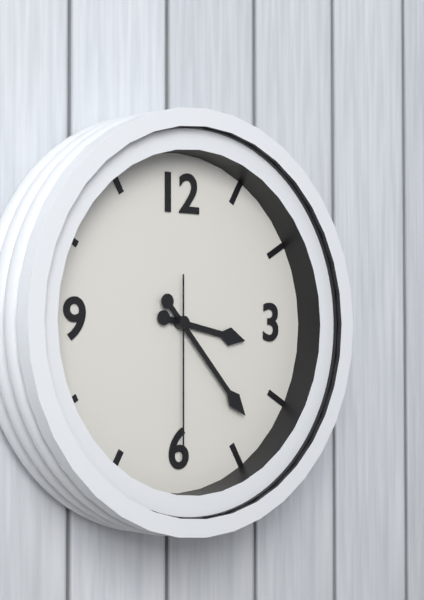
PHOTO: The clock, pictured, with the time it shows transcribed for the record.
3:23:30
